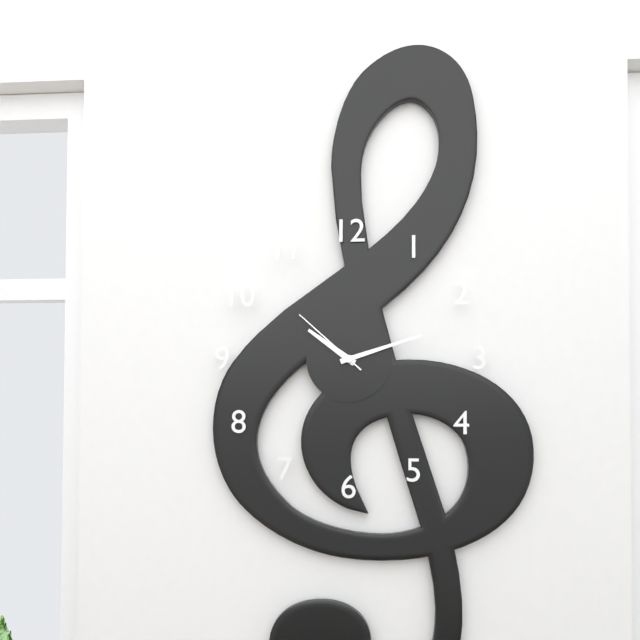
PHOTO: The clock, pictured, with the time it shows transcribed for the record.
10:12:52
